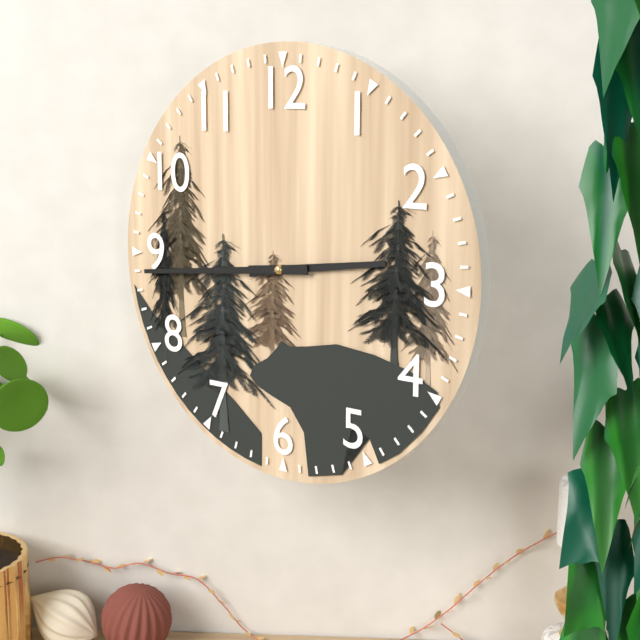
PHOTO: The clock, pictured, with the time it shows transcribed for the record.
2:44
